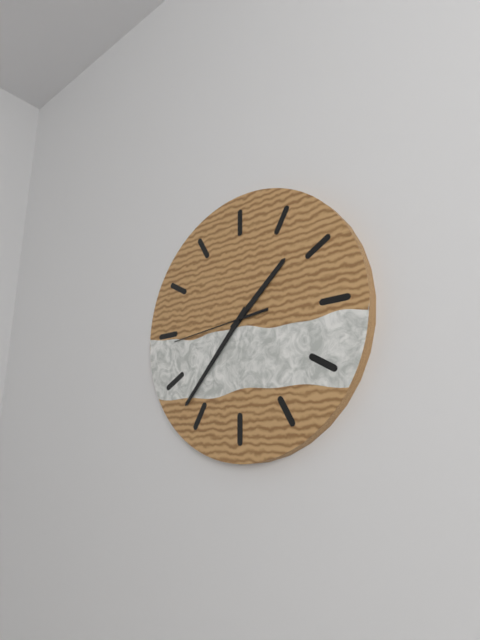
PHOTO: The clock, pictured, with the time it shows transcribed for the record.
1:37:44
